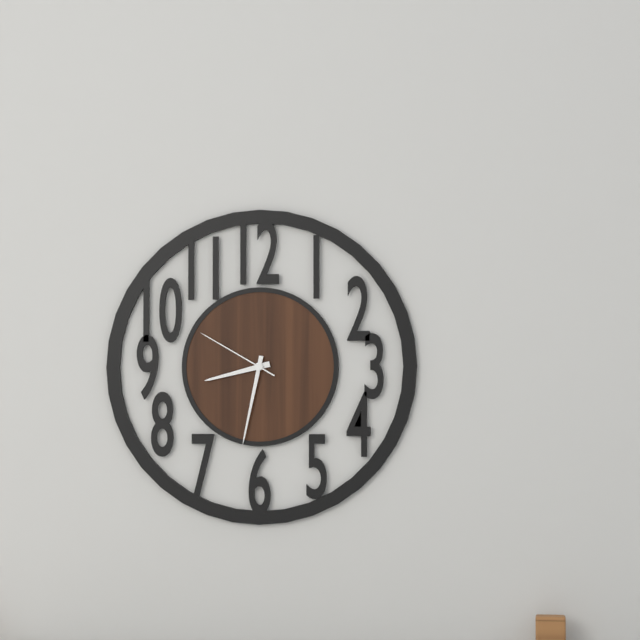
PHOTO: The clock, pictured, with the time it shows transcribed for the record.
8:32:50
